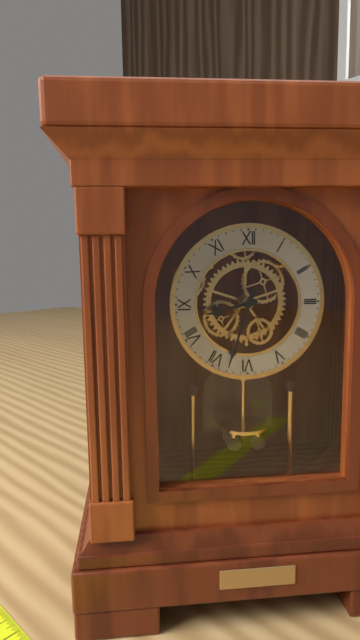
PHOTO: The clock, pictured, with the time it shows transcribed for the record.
8:33
